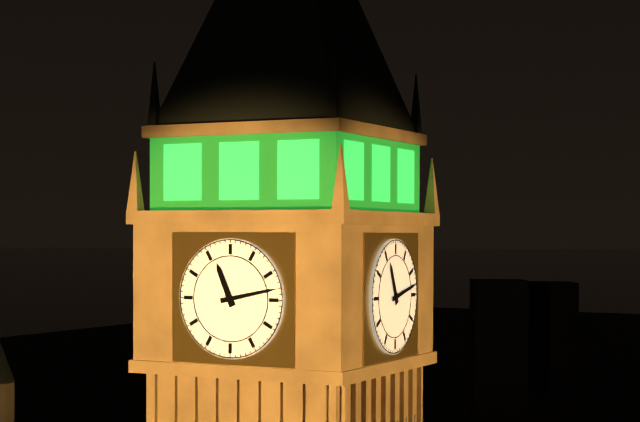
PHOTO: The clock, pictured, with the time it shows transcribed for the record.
11:13
